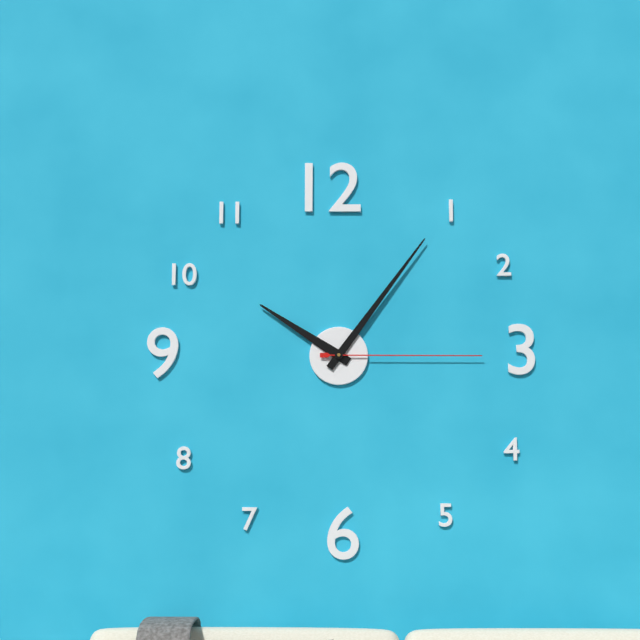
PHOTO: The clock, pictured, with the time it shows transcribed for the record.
10:06:15
